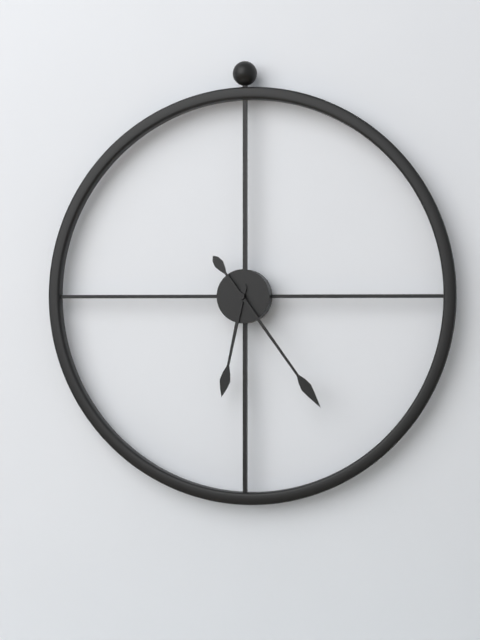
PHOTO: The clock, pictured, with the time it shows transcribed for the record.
6:24
